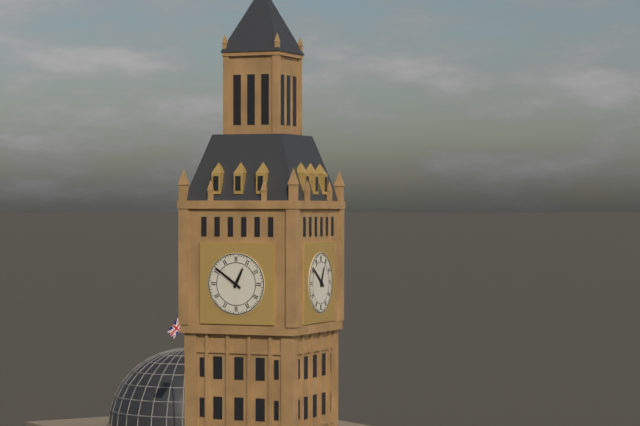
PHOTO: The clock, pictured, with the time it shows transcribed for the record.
12:51
